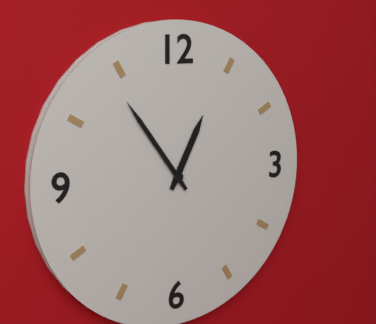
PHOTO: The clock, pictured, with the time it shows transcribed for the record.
12:54
